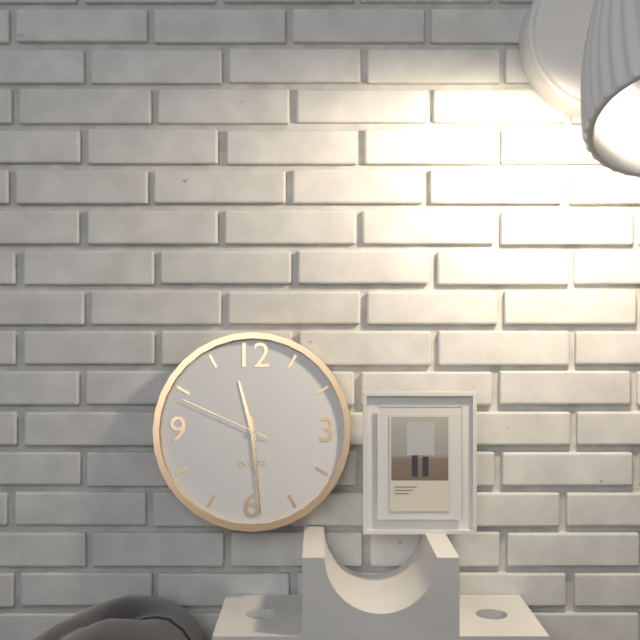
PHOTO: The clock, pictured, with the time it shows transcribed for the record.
11:29:49
